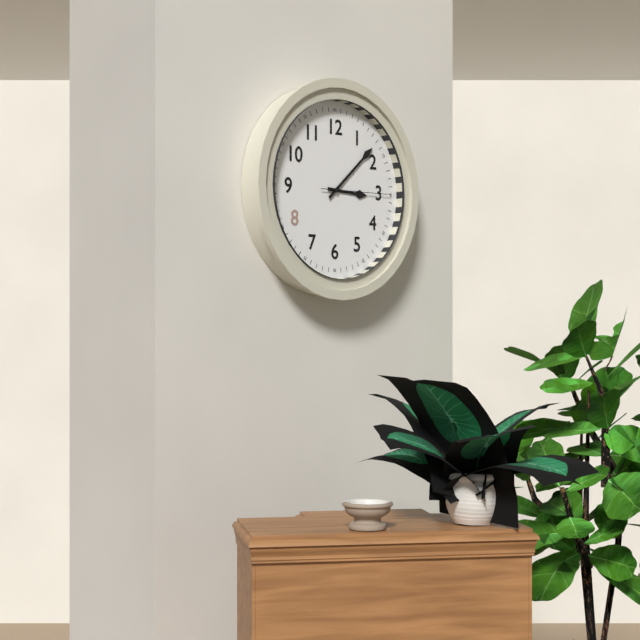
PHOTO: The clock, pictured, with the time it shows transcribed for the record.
3:08:15
